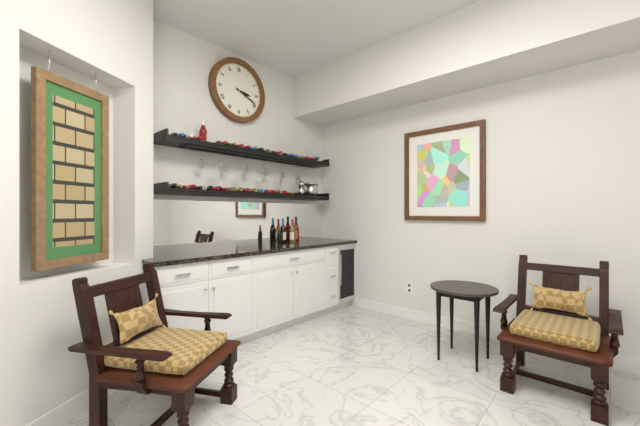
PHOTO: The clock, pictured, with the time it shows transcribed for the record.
3:19
